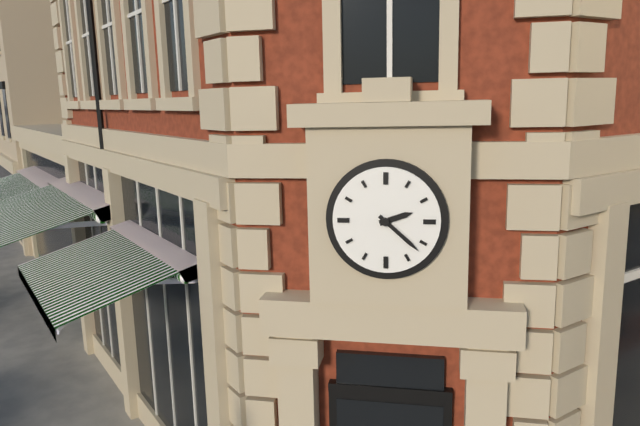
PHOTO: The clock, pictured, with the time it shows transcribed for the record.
2:22
